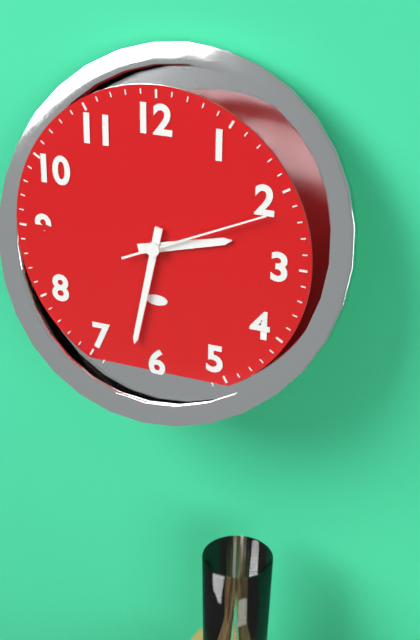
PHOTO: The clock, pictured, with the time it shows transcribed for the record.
2:32:11
